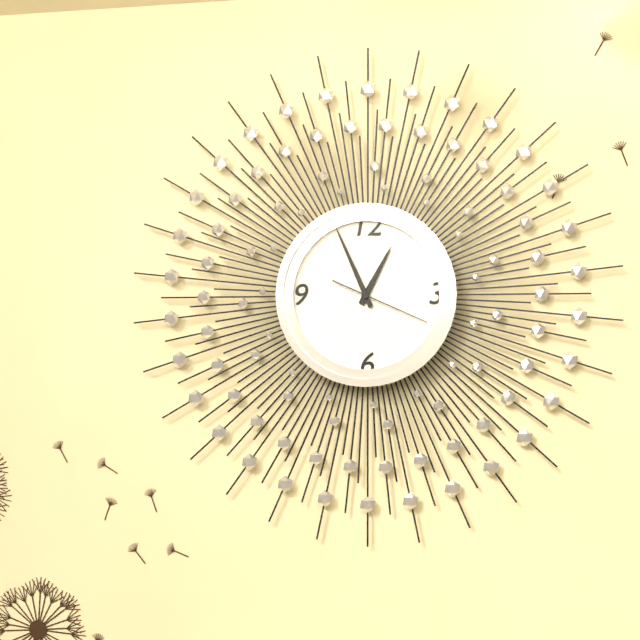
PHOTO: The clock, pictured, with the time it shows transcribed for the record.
12:56:19
